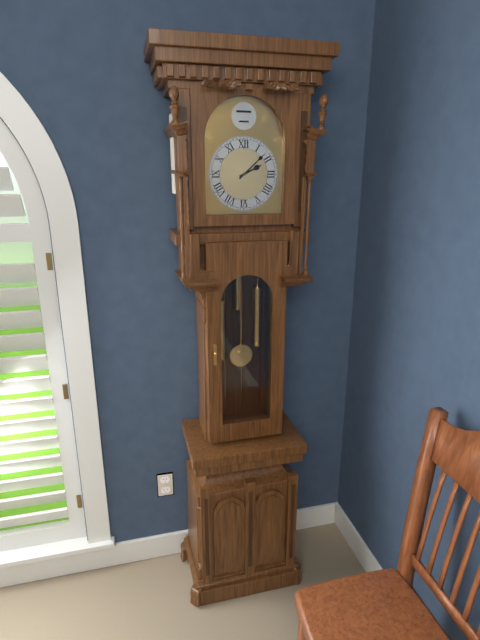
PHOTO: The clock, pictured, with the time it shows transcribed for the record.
2:08
